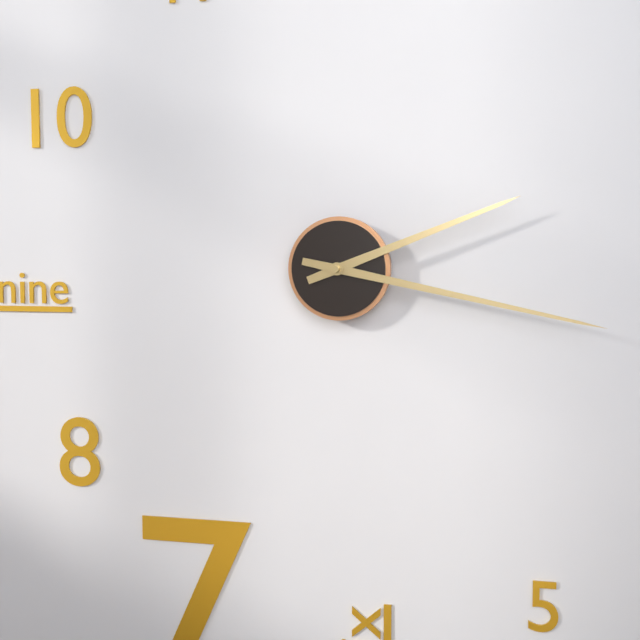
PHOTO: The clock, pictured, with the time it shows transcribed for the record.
2:17
